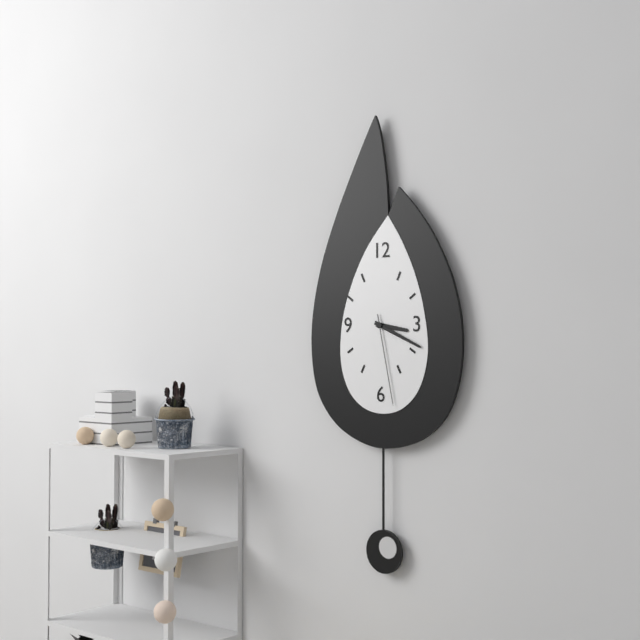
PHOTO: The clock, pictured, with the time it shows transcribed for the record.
3:19:28
